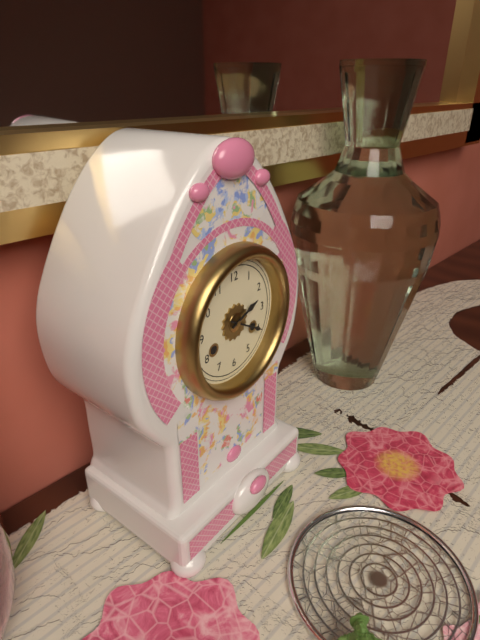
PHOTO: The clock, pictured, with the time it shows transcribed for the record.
2:20
